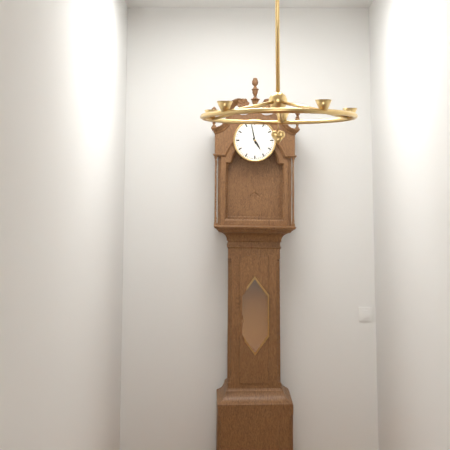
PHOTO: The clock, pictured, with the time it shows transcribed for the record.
4:58
